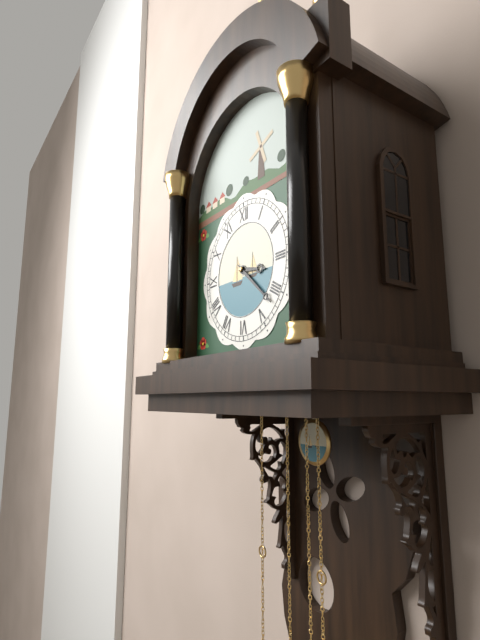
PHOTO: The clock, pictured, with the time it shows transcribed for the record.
3:22
